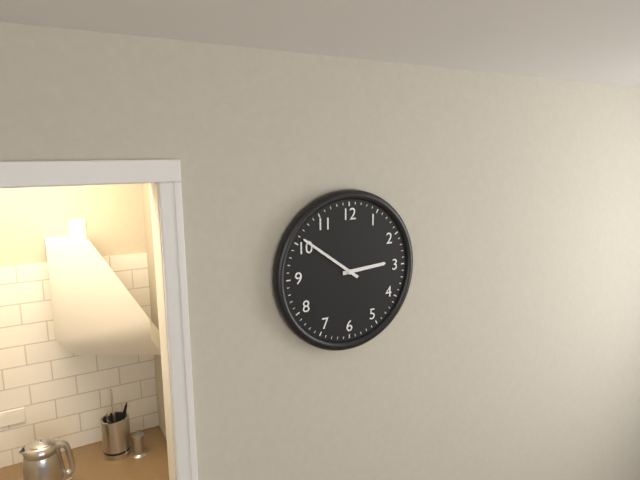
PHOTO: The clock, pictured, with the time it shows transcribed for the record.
2:51
